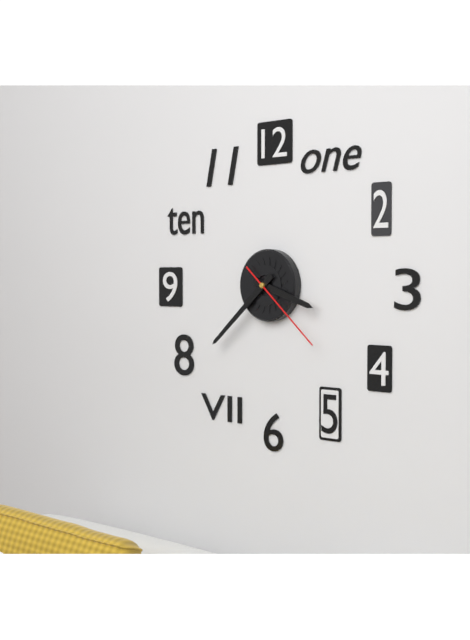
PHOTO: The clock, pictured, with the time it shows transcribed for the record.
3:38:22
